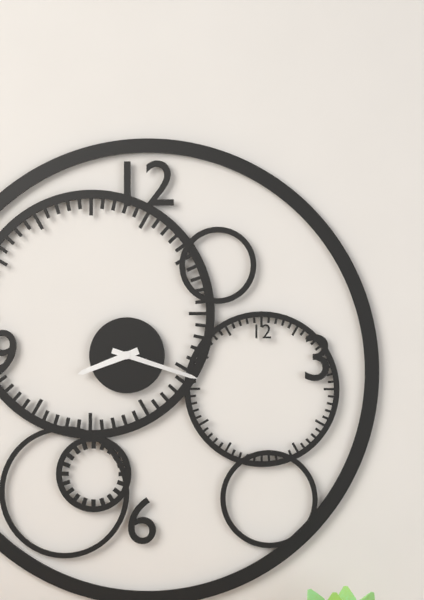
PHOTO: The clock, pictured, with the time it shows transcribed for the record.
8:18
